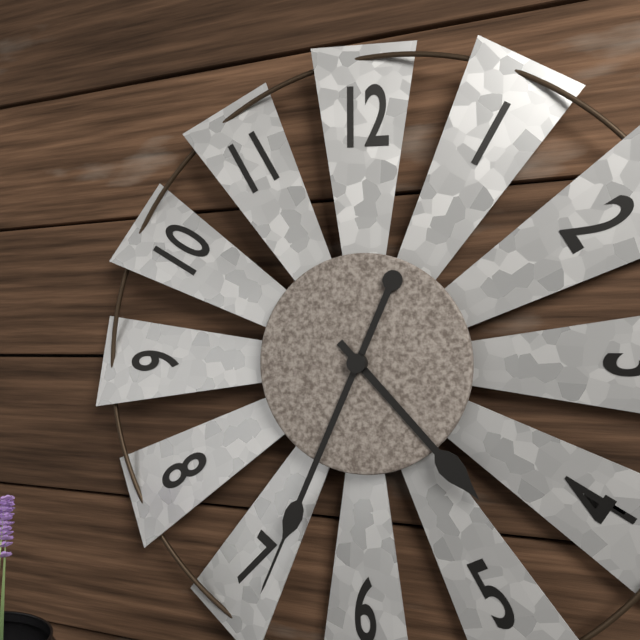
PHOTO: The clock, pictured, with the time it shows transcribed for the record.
4:34
